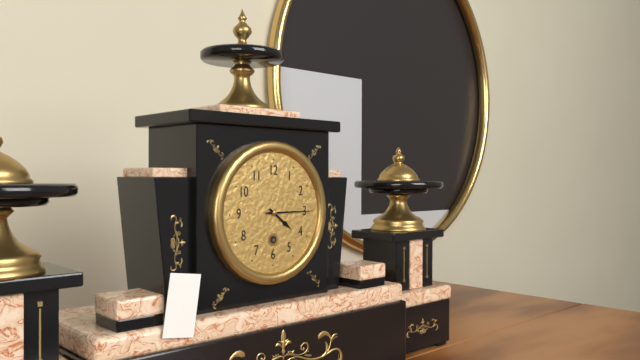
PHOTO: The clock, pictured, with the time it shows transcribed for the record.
4:15
